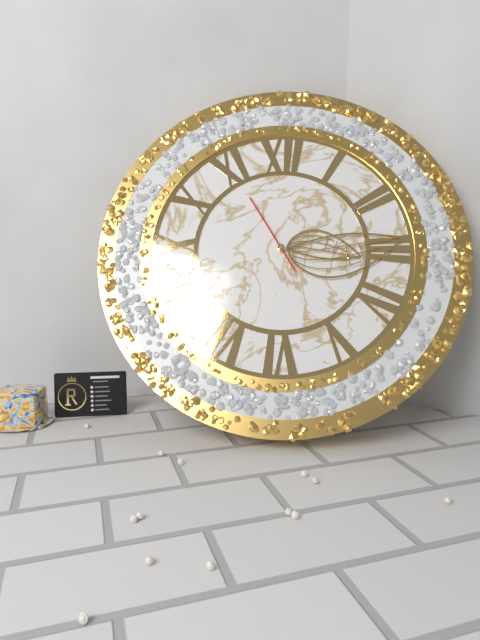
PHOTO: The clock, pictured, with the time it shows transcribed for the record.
3:14:55
